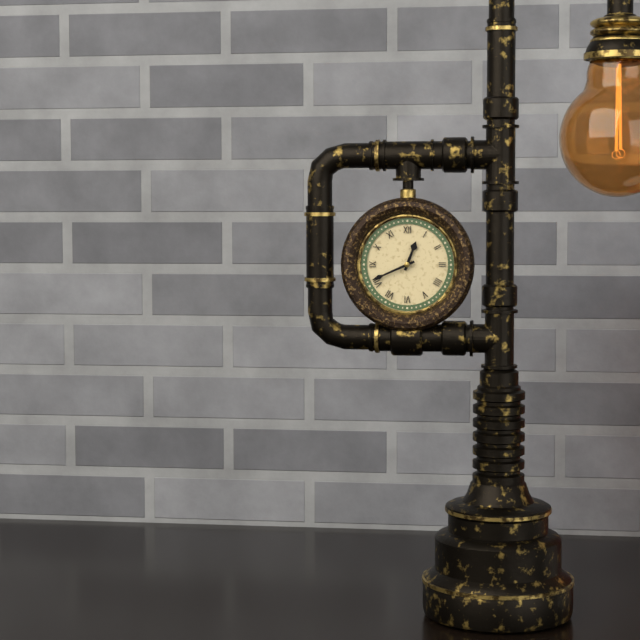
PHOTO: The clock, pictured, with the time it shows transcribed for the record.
12:41
